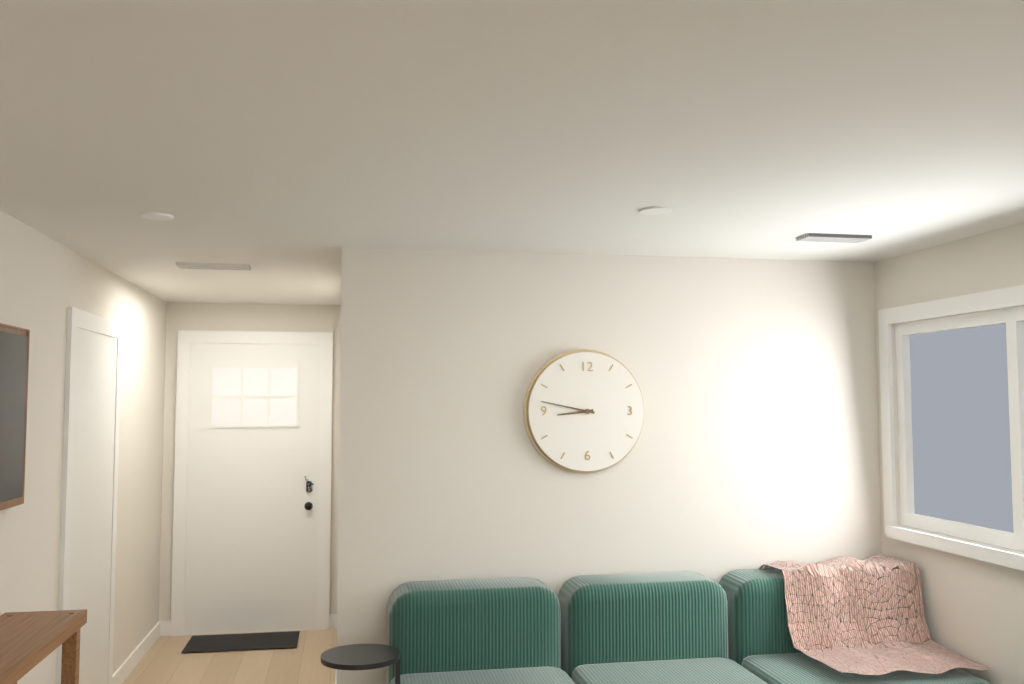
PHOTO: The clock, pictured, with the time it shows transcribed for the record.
8:47
